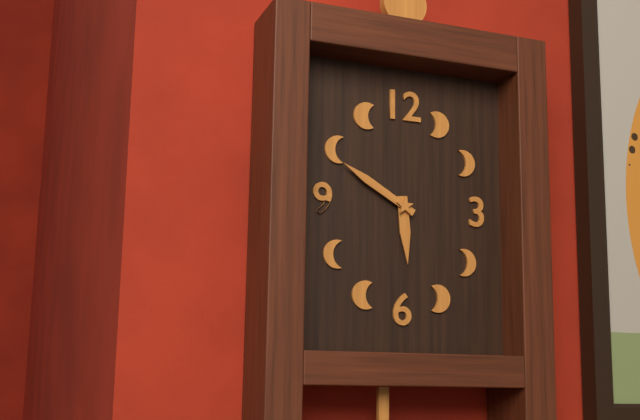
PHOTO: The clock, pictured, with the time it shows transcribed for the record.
5:50
